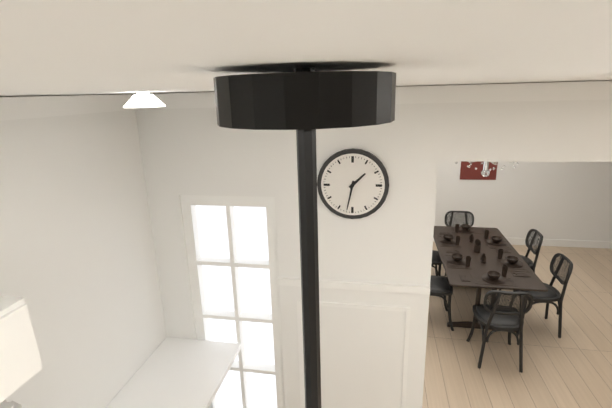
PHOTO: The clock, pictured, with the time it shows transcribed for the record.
1:32
